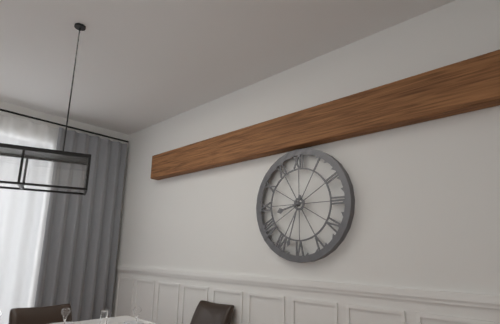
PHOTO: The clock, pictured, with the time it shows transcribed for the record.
8:33
